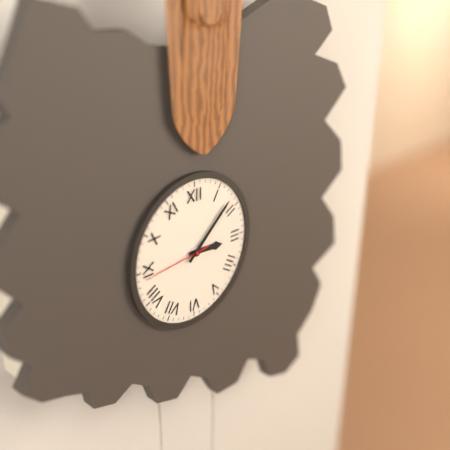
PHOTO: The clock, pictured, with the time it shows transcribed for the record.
3:08:44
